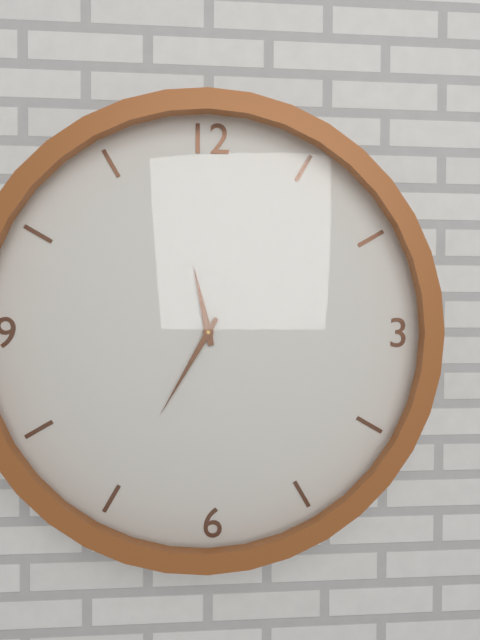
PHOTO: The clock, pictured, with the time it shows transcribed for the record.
11:35
